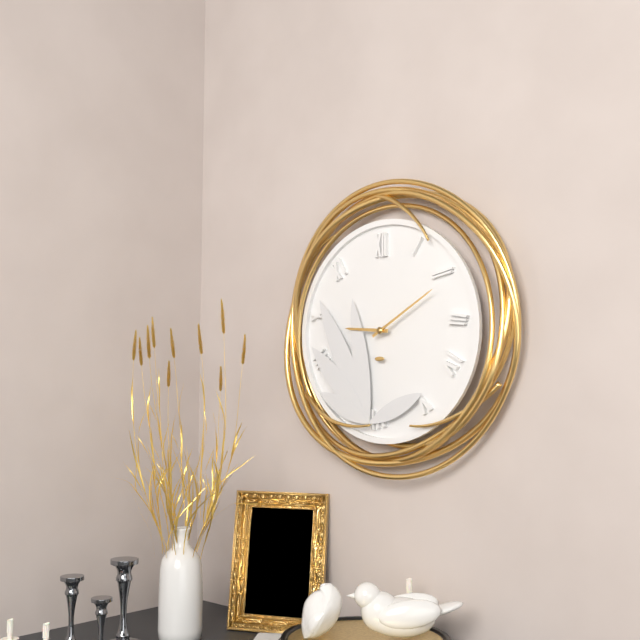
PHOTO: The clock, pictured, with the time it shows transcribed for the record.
9:10
